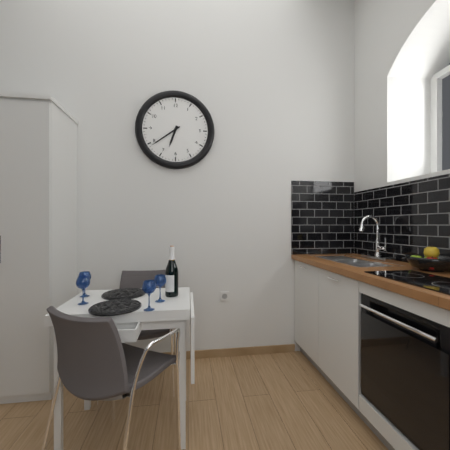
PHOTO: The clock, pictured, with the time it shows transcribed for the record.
6:39
